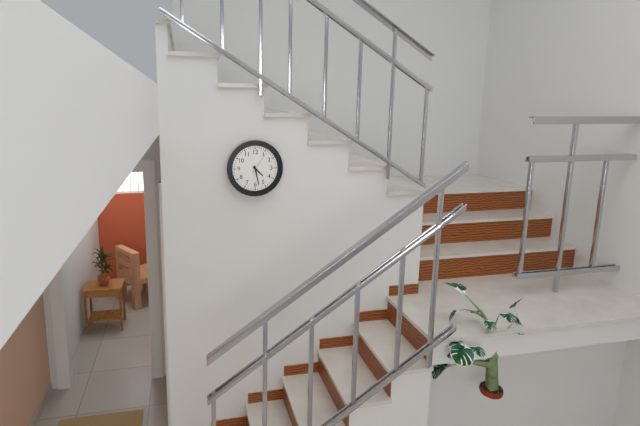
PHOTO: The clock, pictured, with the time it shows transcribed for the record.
4:28
